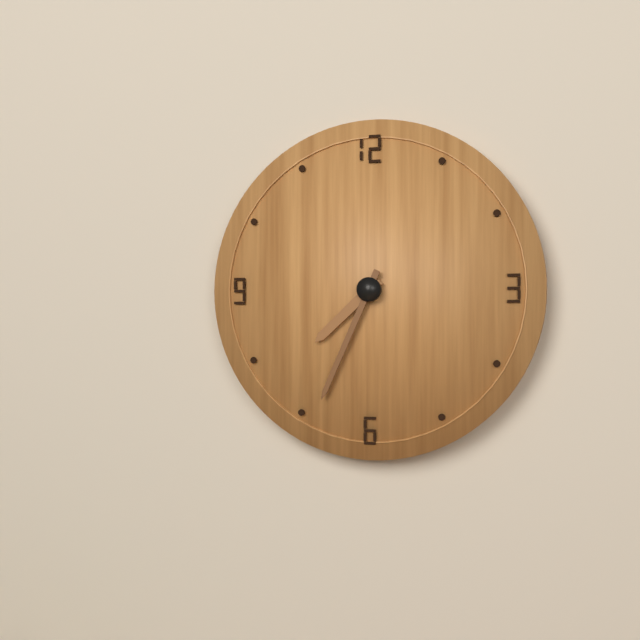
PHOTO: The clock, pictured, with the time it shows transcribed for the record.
7:34
